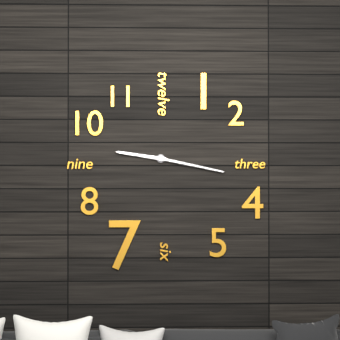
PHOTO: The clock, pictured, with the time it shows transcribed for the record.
9:17
